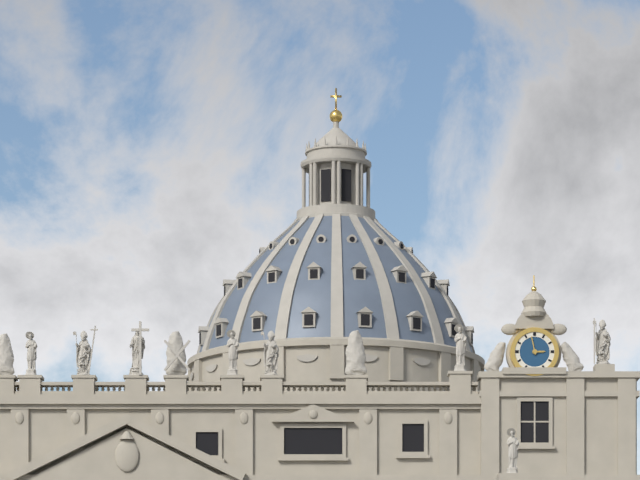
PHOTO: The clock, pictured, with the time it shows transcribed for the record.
2:58
